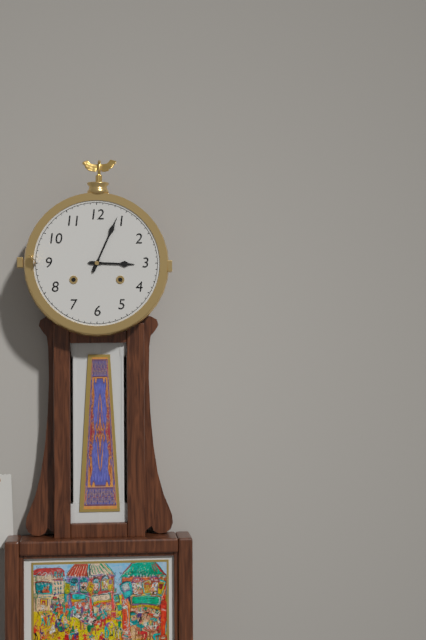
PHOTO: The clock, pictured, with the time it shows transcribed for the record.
3:04
